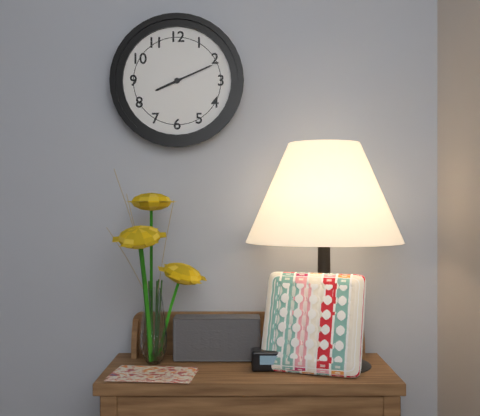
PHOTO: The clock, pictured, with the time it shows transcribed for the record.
8:11
